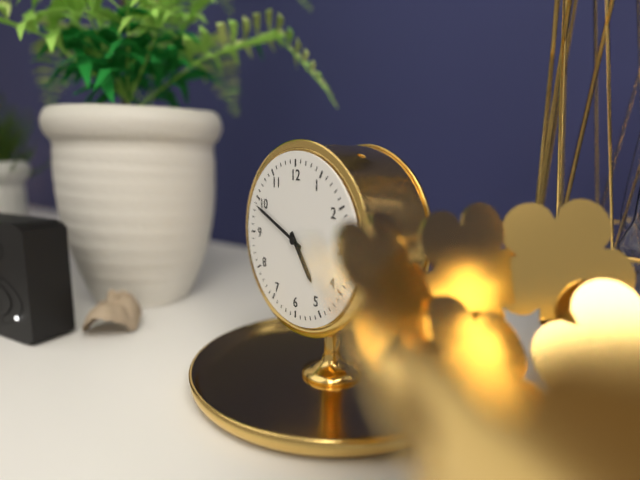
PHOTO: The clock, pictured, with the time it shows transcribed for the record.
4:49
